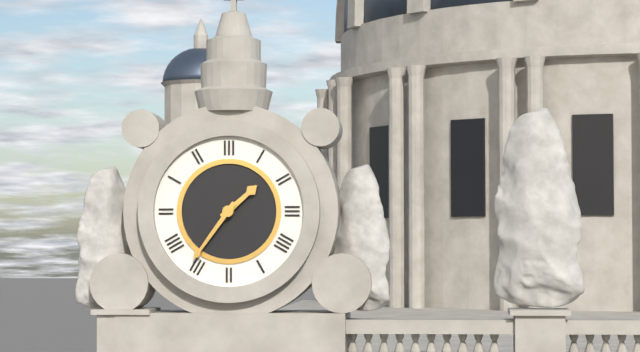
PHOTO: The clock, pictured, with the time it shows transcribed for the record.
1:36
